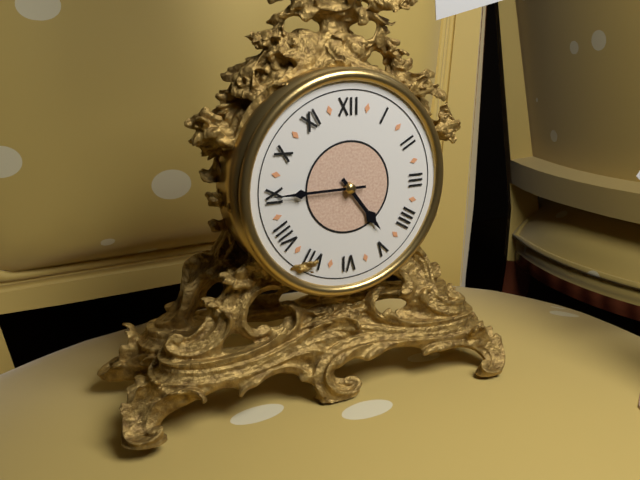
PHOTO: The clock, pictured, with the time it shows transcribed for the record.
4:45
